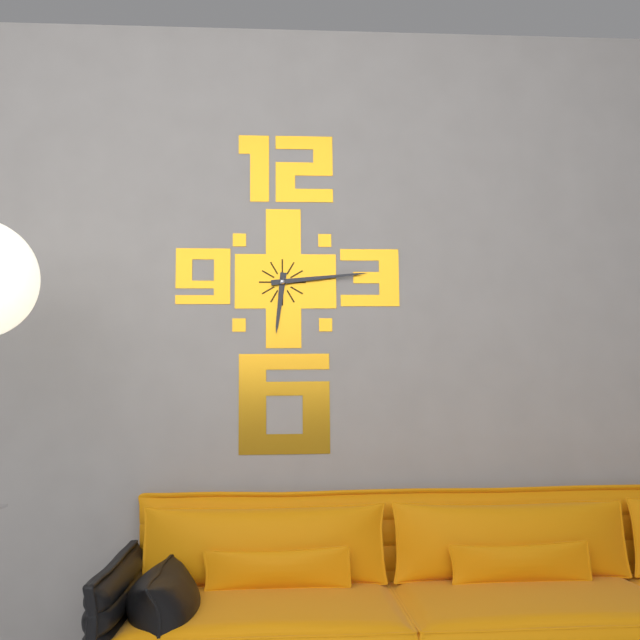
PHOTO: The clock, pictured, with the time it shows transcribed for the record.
6:14
